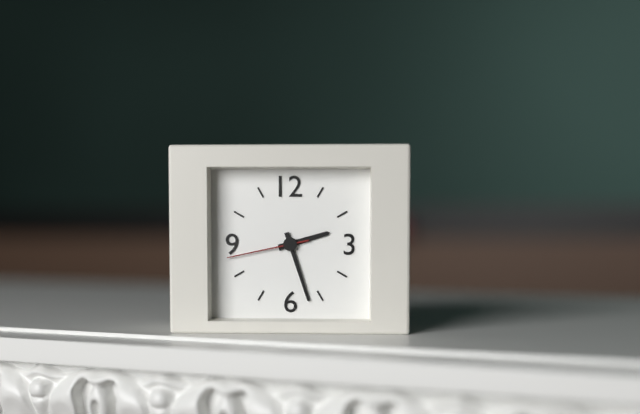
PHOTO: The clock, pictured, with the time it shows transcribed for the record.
2:27:43
